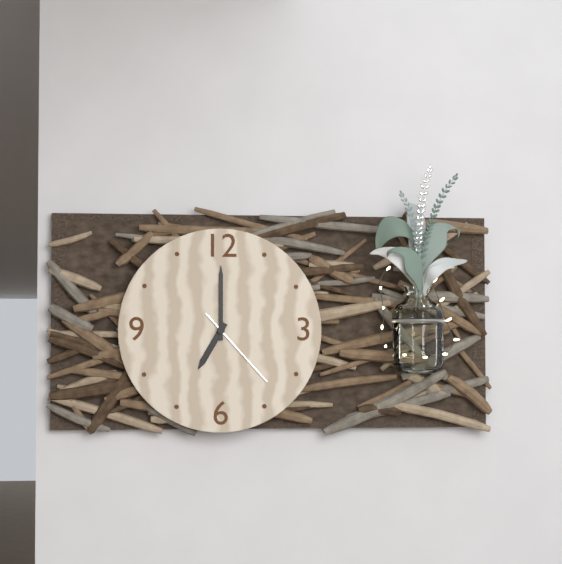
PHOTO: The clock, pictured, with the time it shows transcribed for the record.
7:00:23
